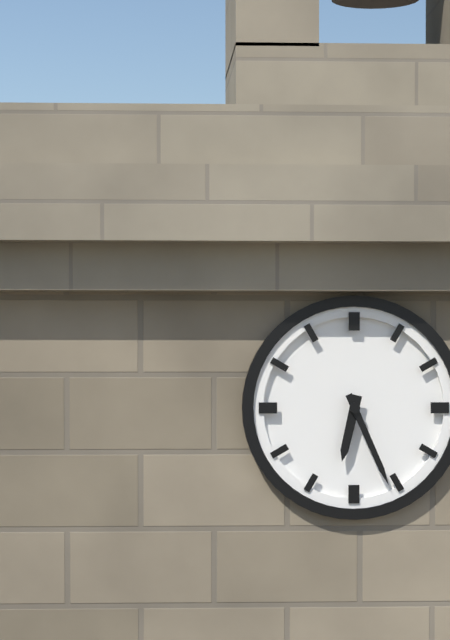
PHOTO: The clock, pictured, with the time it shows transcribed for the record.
6:26
